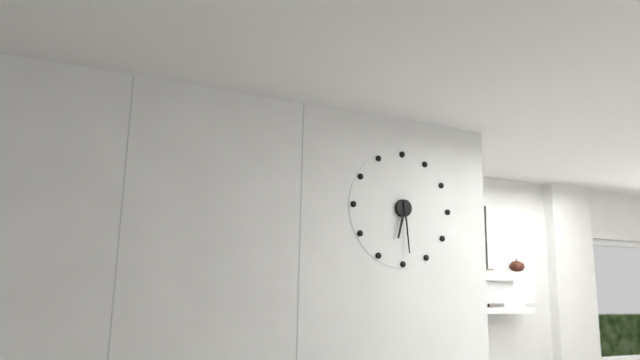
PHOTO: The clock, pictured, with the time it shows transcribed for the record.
6:29
